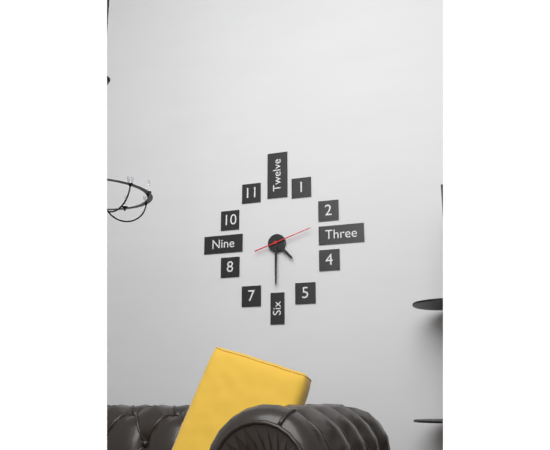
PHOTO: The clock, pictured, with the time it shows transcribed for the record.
4:30
